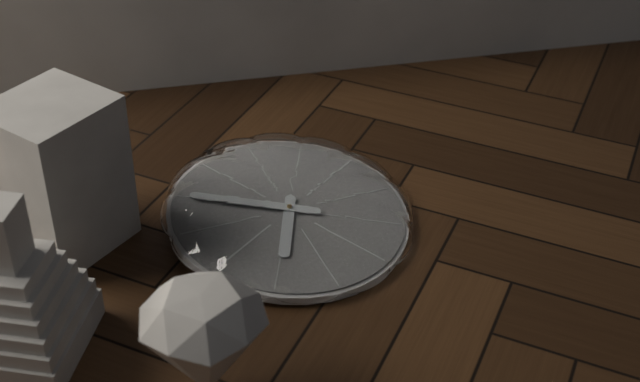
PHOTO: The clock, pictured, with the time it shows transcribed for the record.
7:55
